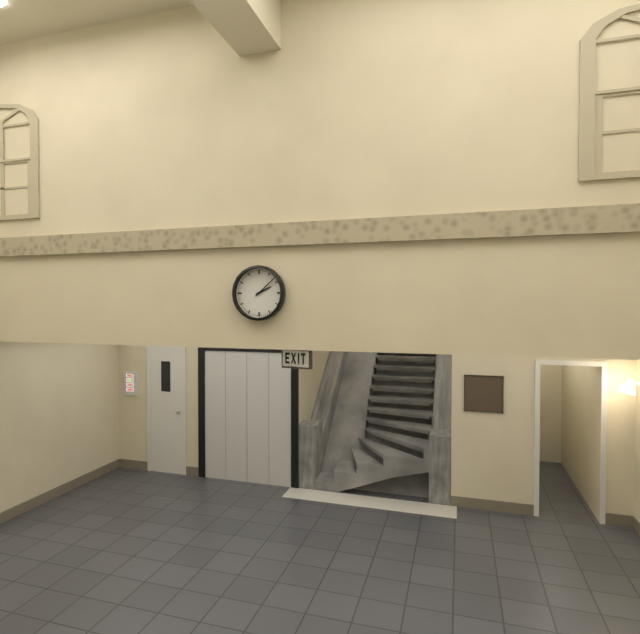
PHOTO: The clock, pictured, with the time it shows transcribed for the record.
2:08
